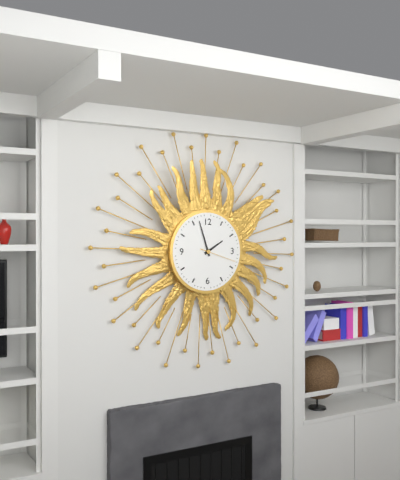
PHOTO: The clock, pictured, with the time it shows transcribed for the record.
1:57
